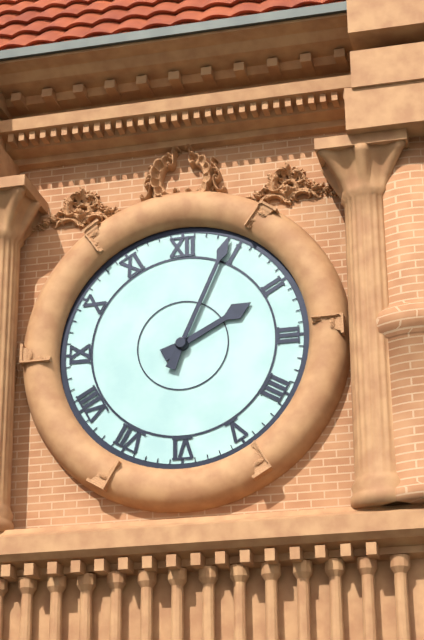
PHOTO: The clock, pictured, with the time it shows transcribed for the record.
2:04
